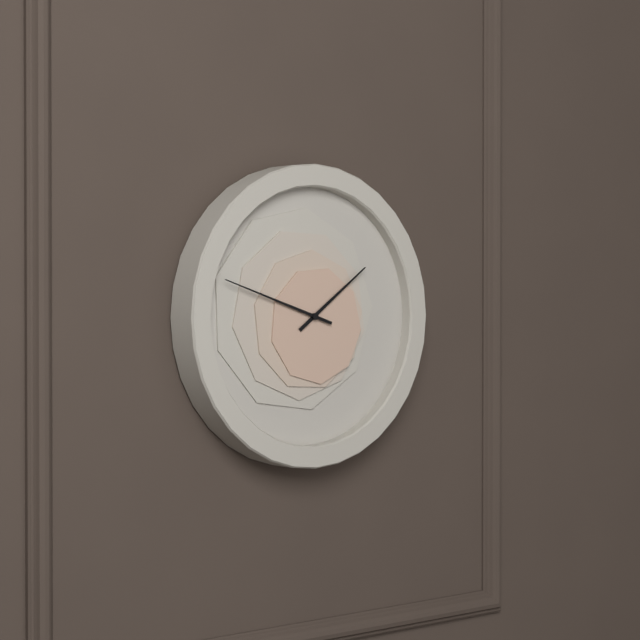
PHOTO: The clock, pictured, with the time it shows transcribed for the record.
1:48
